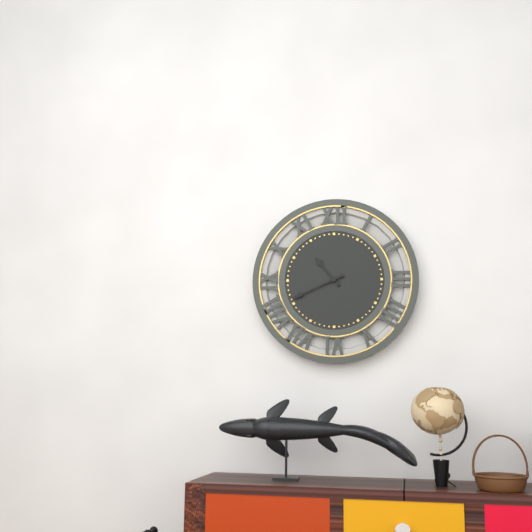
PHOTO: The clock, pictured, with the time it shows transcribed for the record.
10:41
